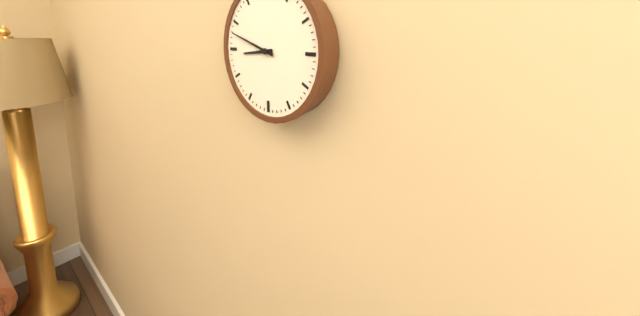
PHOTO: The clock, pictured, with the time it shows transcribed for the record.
8:48
